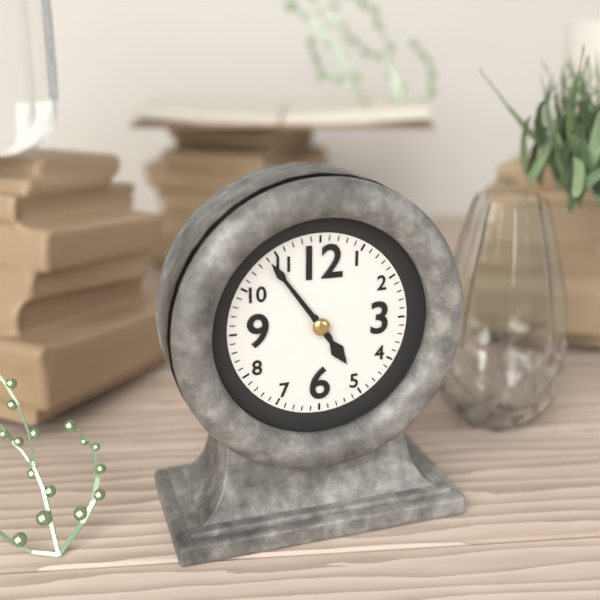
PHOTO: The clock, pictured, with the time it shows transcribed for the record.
4:54
